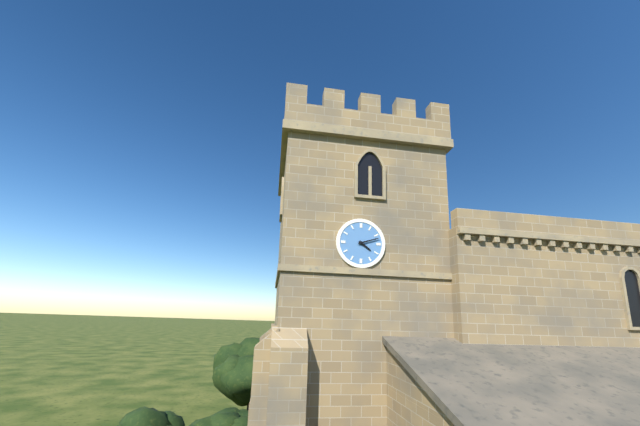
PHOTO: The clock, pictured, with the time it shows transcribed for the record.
4:12
